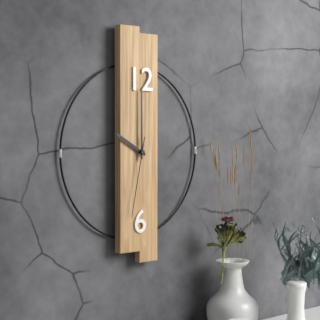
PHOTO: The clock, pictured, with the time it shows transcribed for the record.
10:00:32
